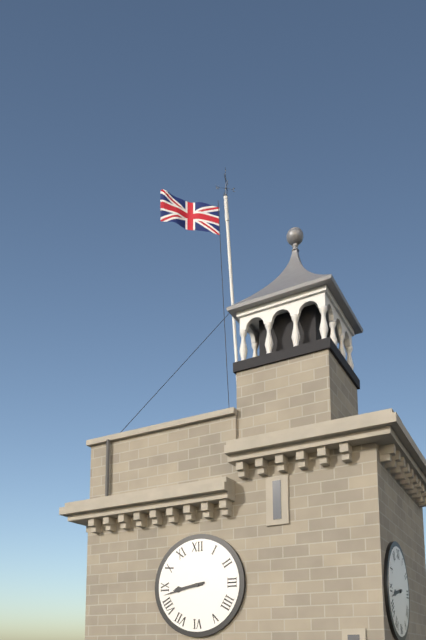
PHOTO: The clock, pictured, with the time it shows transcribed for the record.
8:43
